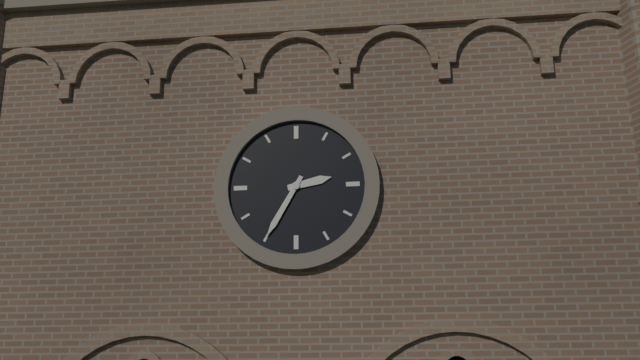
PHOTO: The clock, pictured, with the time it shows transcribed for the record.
2:35
